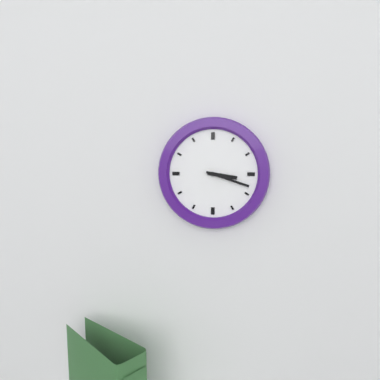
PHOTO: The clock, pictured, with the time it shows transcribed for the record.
3:18
